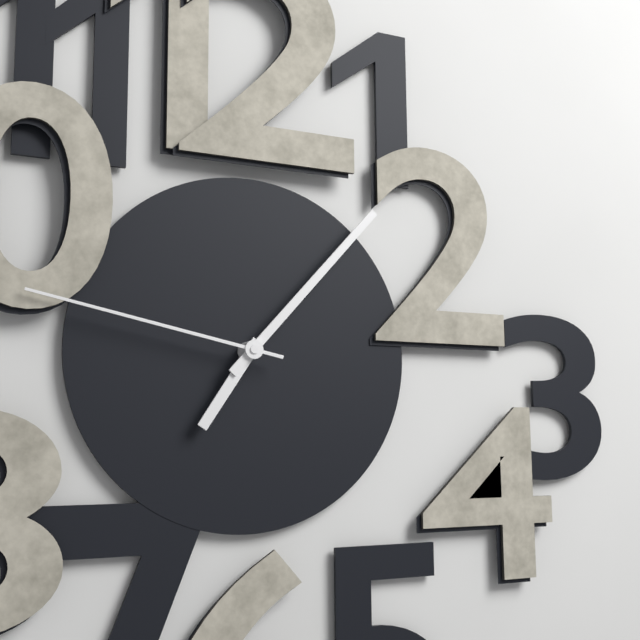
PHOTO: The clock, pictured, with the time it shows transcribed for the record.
7:07:47
